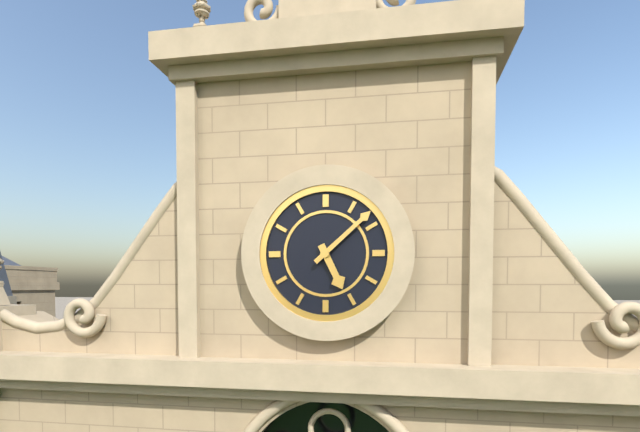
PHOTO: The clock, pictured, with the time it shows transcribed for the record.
5:08
